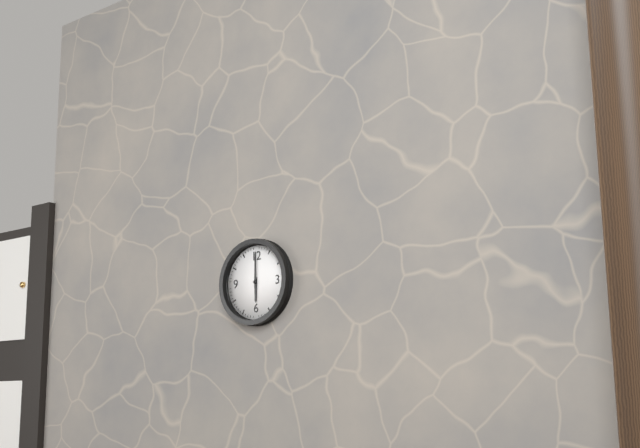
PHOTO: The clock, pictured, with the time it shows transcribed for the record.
6:00
